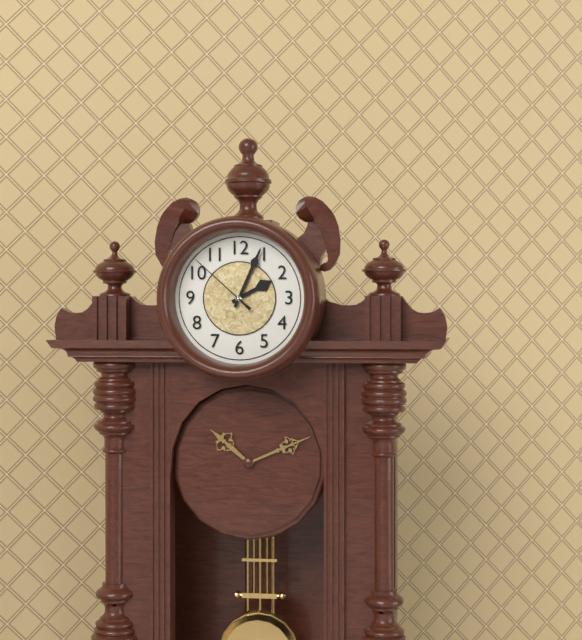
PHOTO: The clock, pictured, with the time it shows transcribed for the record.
2:04:52
